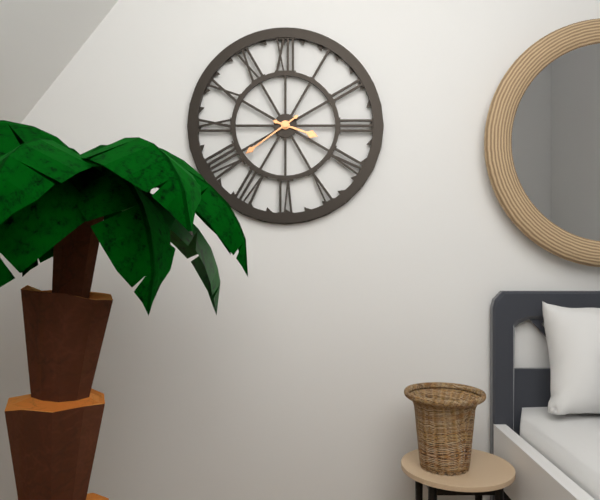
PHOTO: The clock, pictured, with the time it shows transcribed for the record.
3:39
